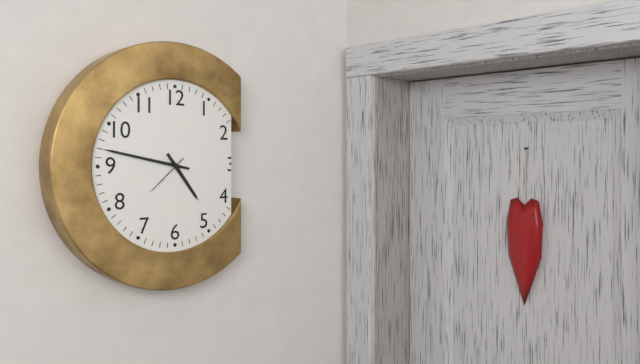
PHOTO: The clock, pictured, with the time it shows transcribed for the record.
4:47
